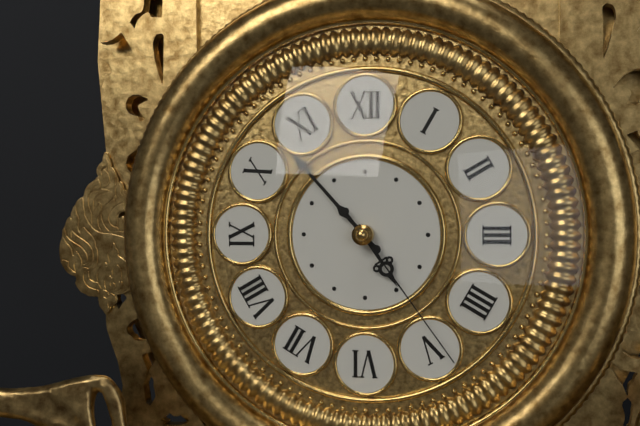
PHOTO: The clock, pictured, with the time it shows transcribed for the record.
4:53:24
